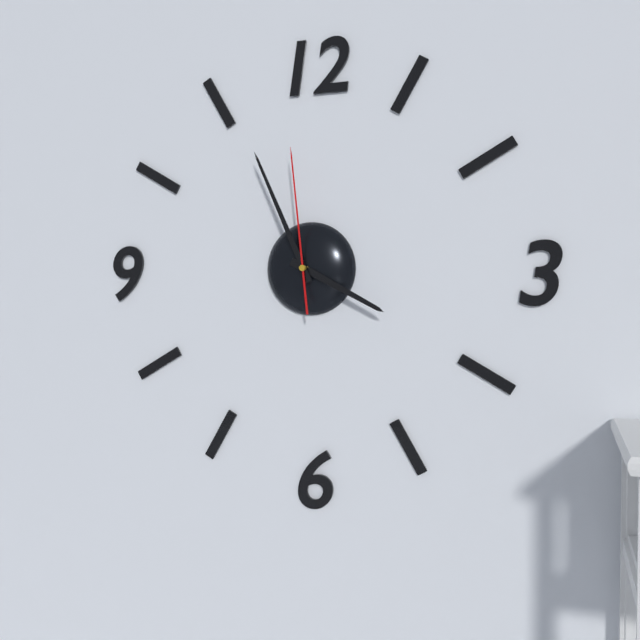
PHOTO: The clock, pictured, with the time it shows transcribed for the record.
3:56:59
